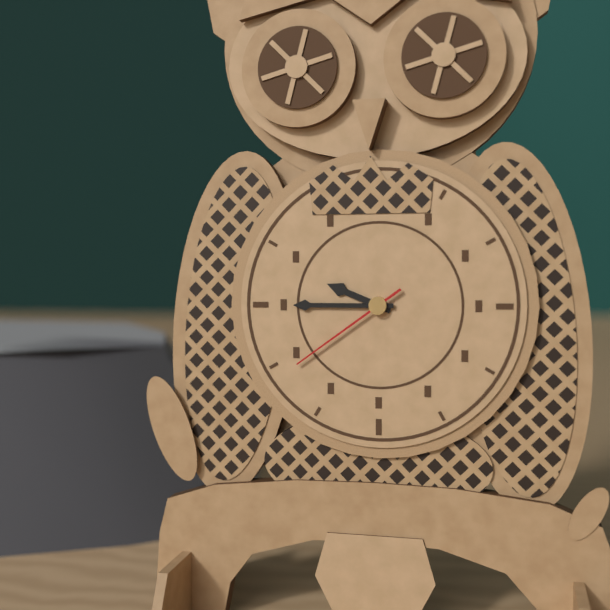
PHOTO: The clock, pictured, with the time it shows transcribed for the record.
9:45:39
